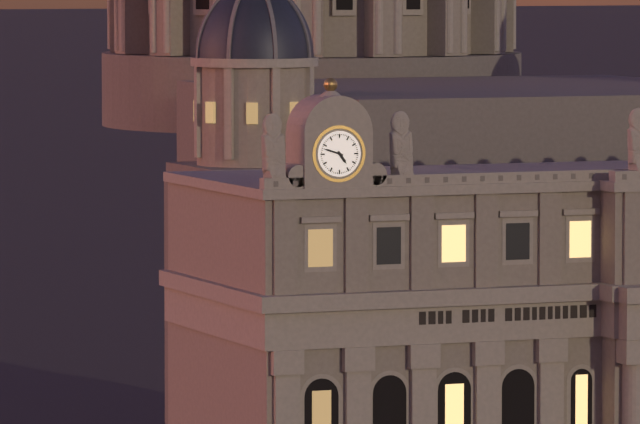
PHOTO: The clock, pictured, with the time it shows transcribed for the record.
4:48
